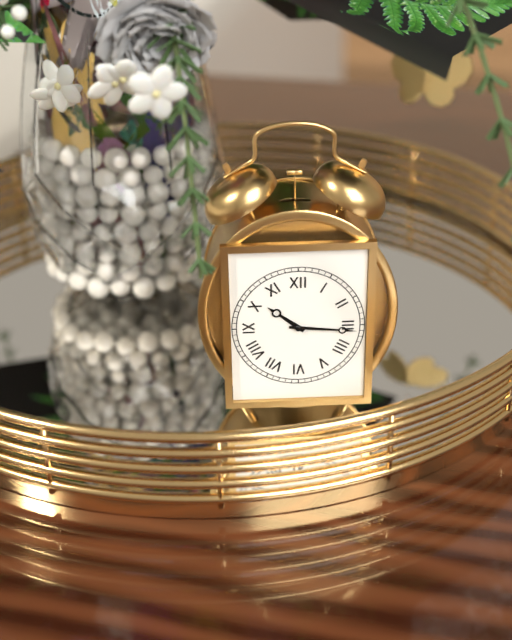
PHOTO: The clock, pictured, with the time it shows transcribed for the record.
10:16
